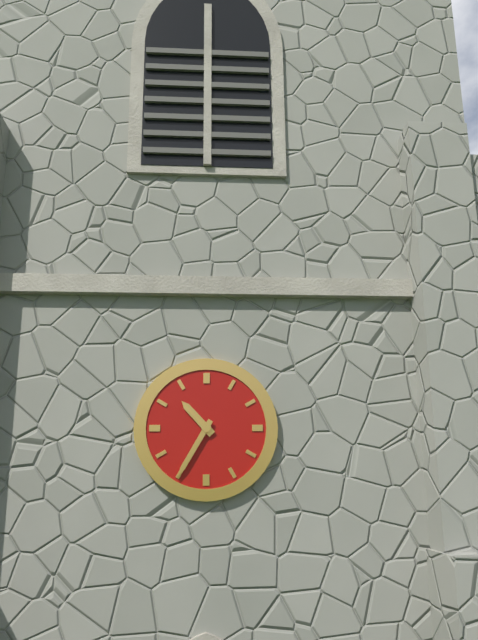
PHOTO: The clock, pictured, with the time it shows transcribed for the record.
10:35
